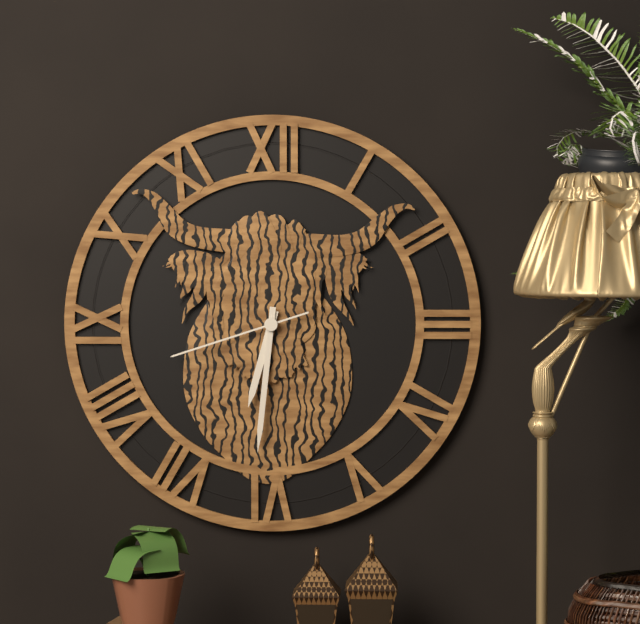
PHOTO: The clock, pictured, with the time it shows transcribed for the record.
6:31:42
